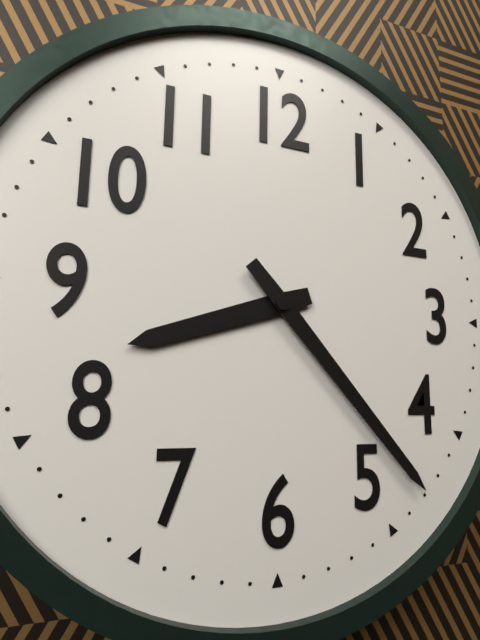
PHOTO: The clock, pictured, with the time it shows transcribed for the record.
8:23
